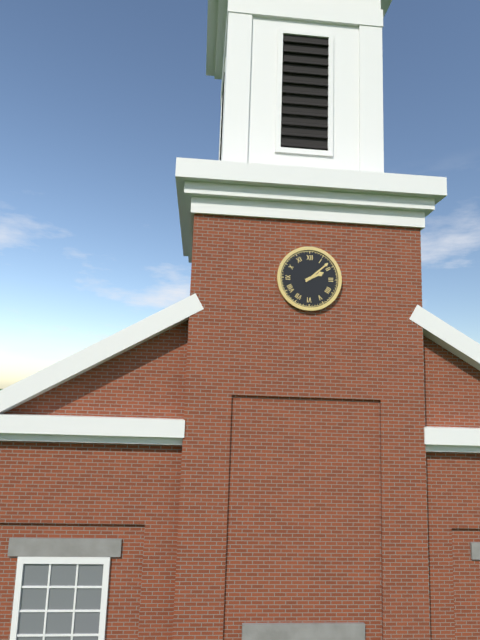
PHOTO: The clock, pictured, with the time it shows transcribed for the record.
2:08
